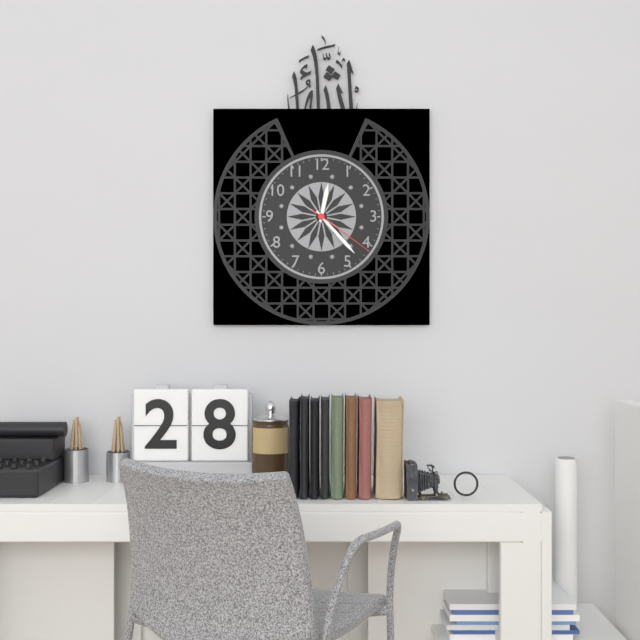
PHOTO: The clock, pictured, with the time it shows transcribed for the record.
12:23:21
